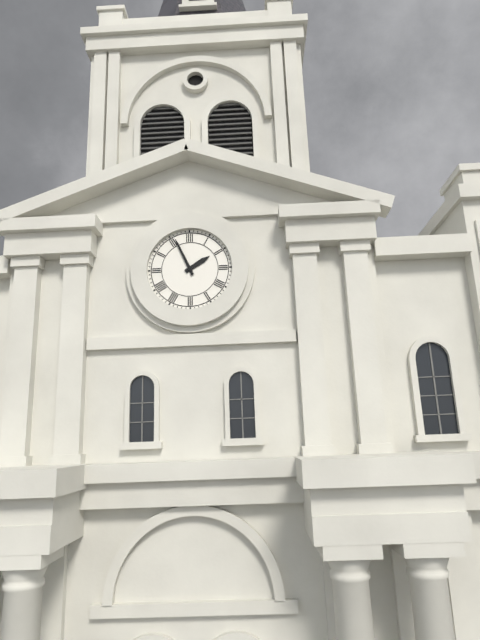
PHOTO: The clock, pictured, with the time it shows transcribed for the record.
1:56
